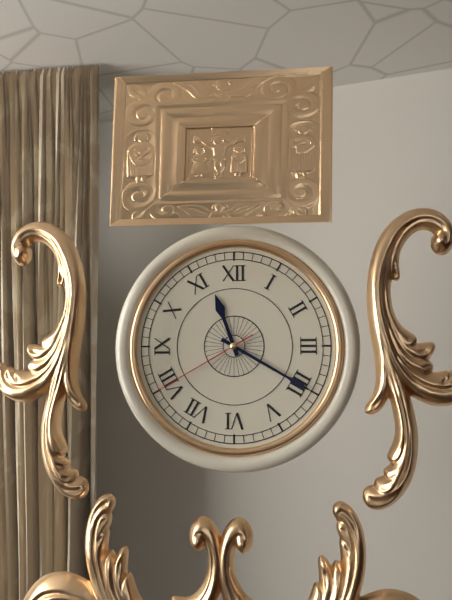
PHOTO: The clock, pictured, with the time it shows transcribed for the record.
11:20:40
